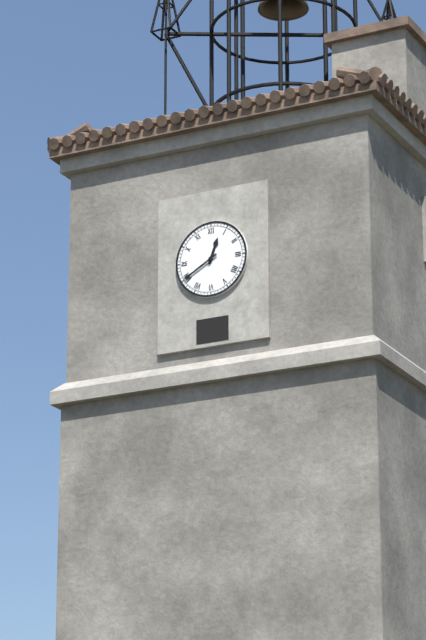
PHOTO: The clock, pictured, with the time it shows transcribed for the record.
12:40
